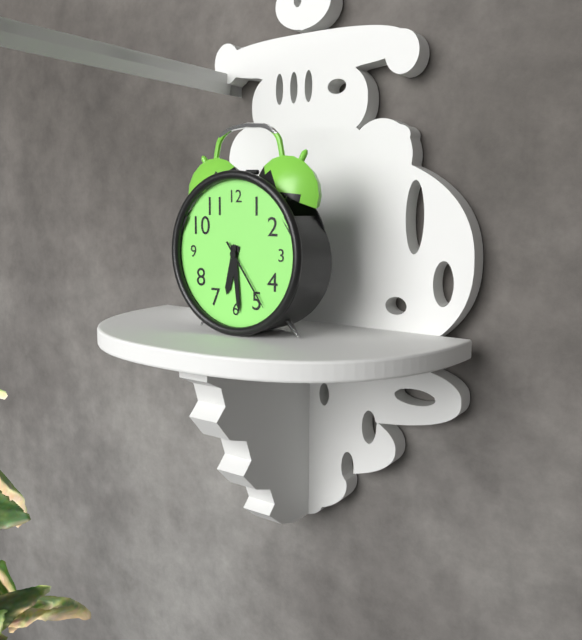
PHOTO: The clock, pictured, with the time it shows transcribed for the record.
6:29:24
